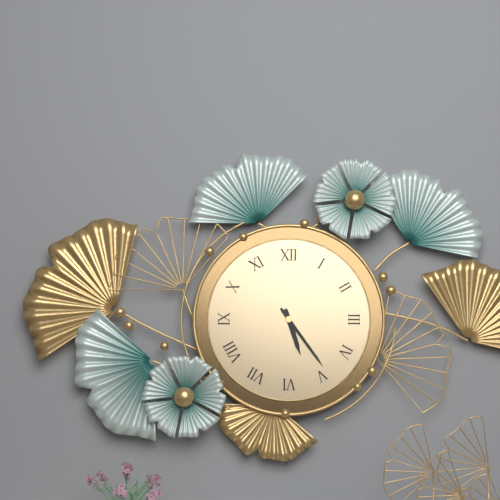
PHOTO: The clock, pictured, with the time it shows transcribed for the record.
5:24
